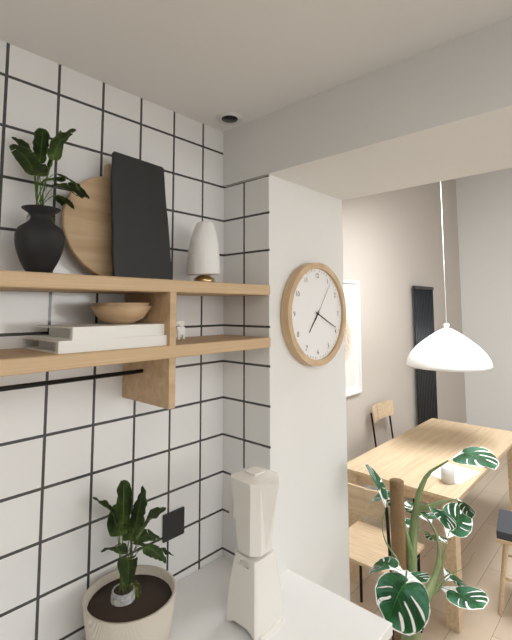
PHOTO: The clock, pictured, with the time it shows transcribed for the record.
7:19
